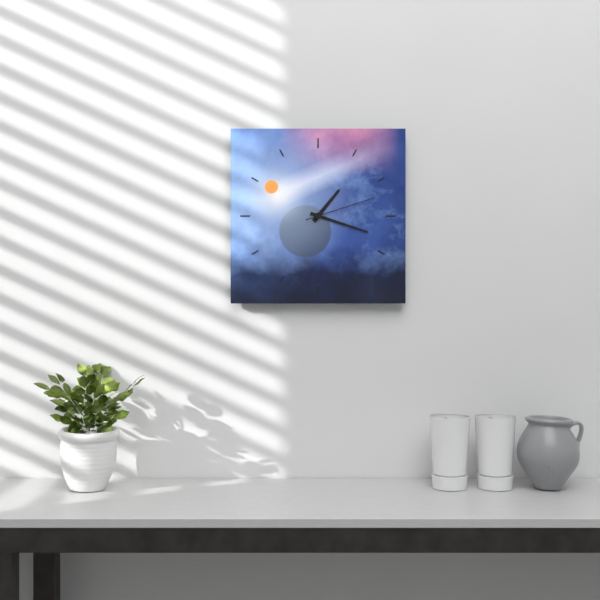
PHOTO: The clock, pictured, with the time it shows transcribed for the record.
1:18:12
